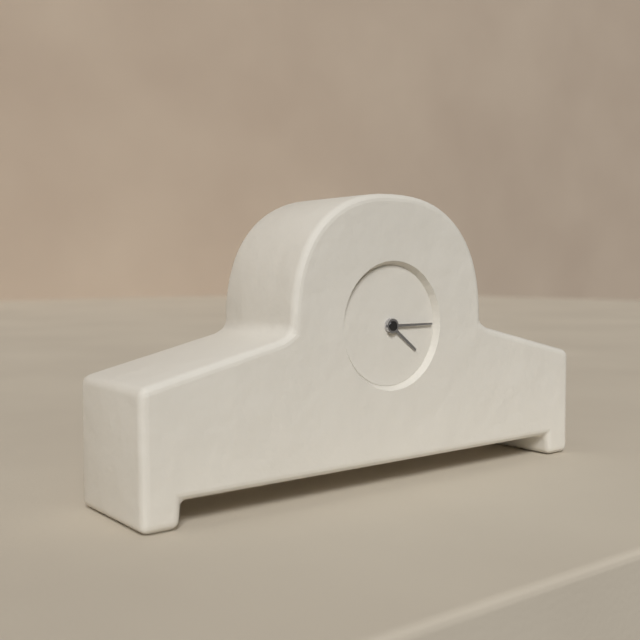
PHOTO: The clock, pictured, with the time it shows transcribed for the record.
4:15
